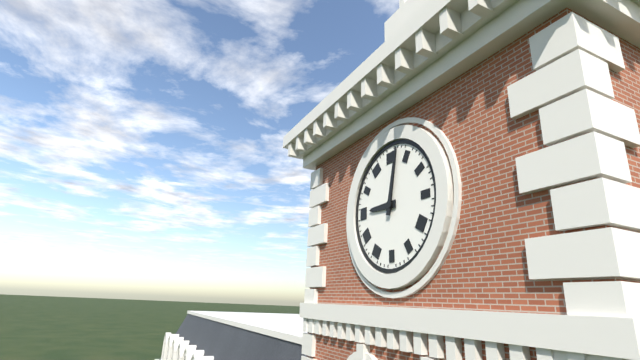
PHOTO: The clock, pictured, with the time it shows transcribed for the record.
9:02
